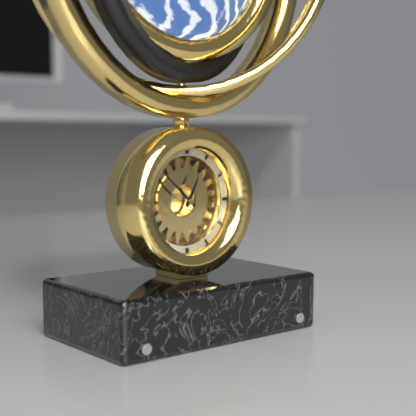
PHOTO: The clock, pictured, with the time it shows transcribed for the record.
12:52
